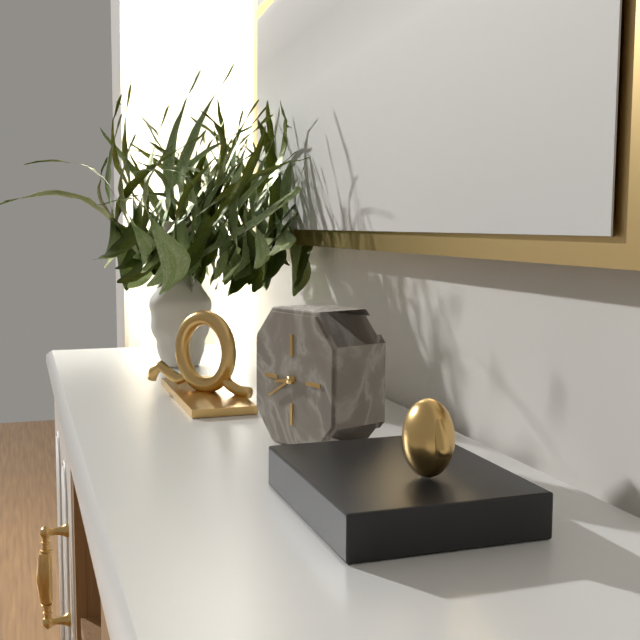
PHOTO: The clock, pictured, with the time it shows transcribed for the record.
8:40
